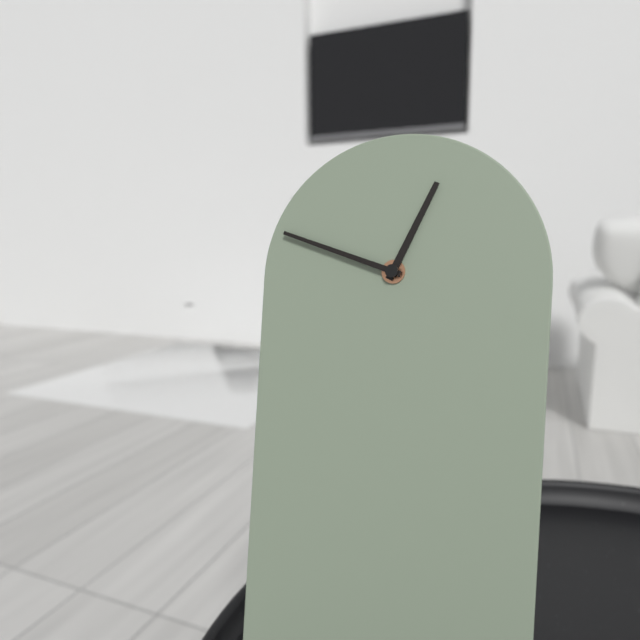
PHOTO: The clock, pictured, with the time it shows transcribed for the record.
12:48
